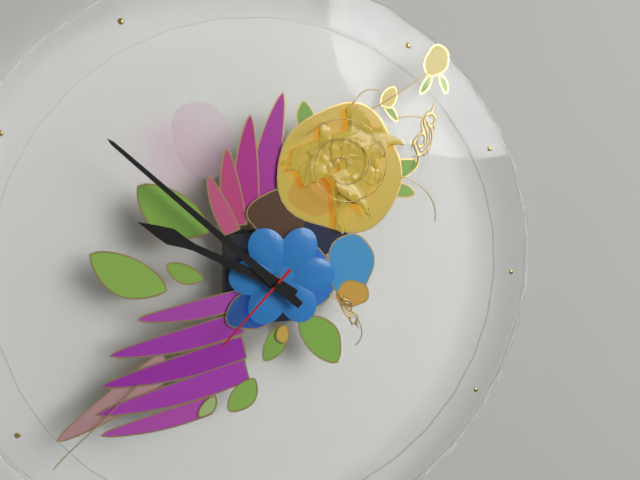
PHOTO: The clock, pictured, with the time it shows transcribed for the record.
9:52:37
